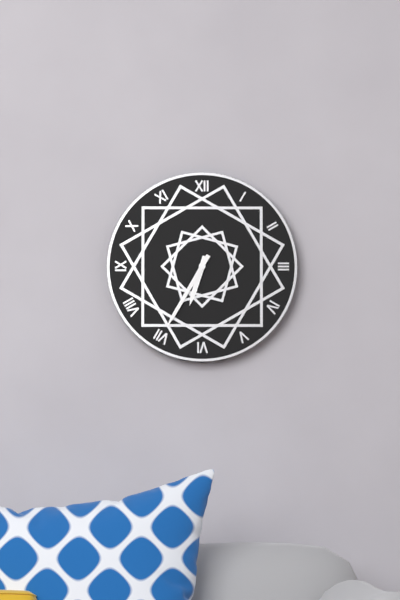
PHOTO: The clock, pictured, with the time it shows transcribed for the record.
6:35
